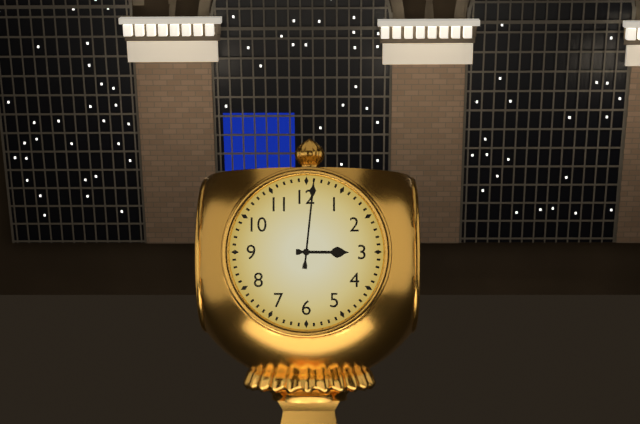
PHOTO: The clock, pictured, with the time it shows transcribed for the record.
3:01
